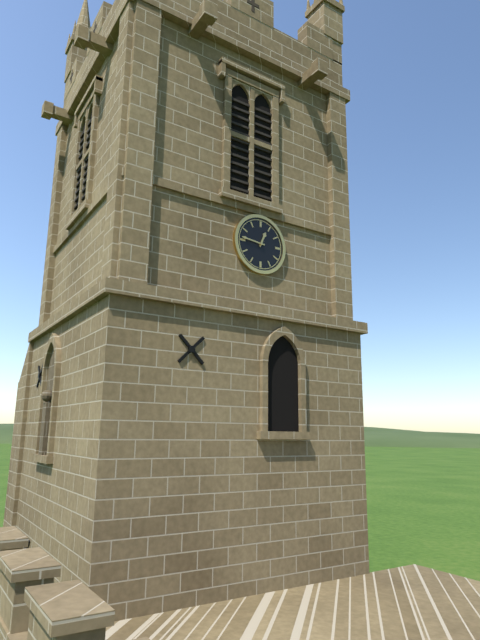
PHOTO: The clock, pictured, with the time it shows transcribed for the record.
12:46
